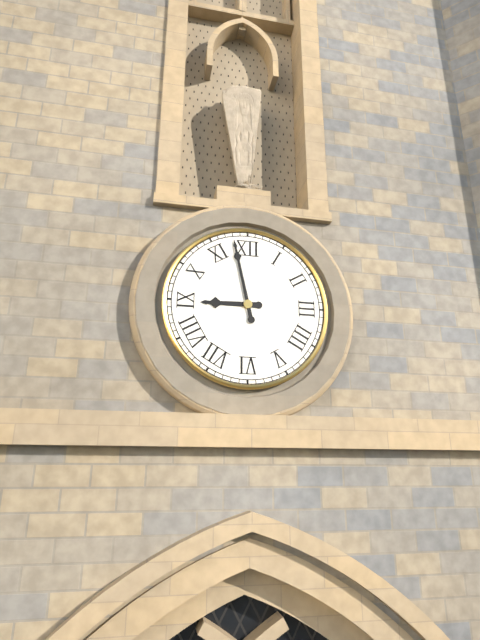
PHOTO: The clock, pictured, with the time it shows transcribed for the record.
8:58
